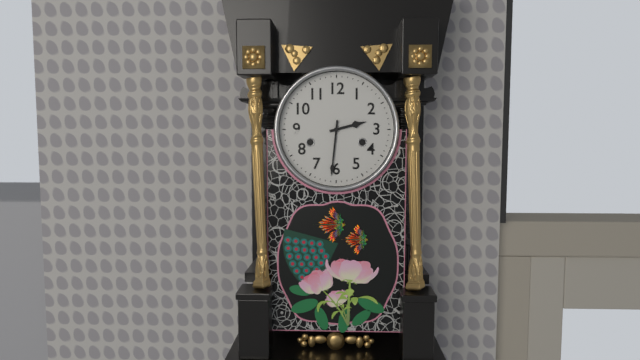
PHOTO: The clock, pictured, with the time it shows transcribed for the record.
2:31
